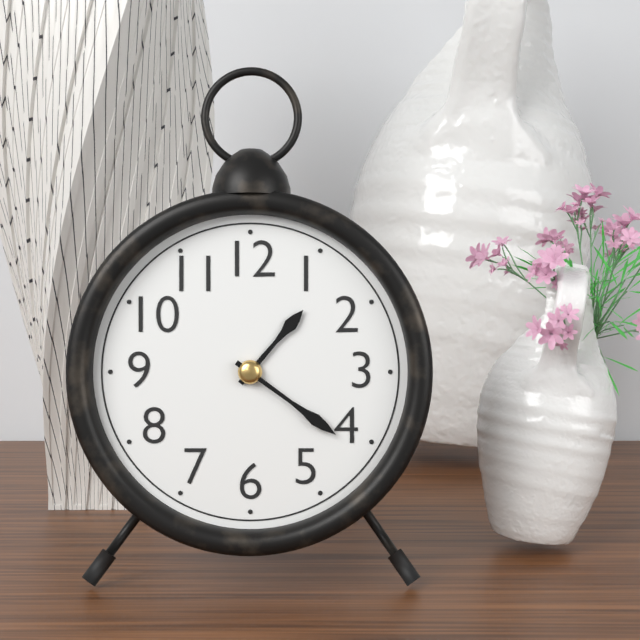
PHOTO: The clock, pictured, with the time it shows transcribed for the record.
1:21
